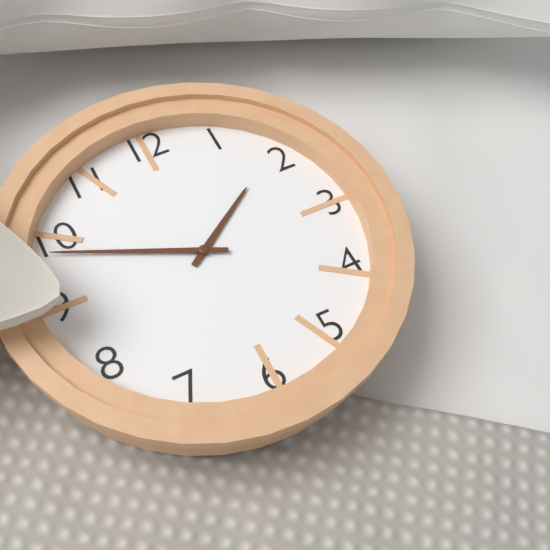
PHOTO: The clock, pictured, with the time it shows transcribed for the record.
1:49
